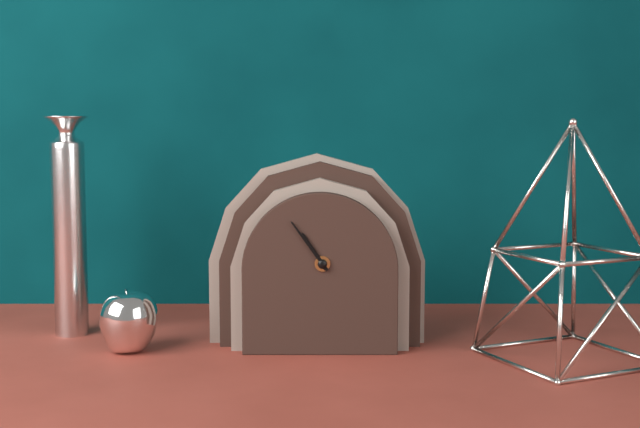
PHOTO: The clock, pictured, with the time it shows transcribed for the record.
10:54
